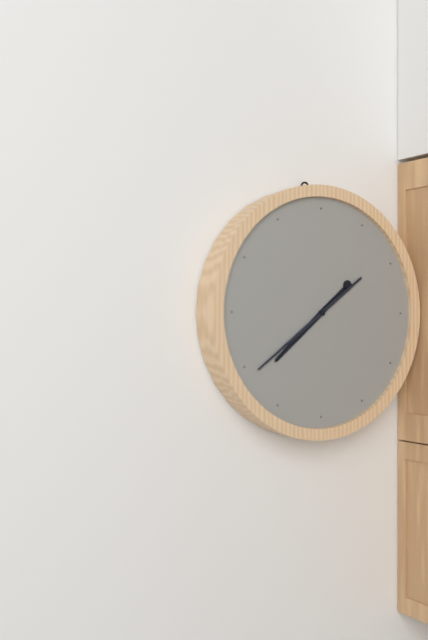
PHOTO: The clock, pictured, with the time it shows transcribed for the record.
7:39
